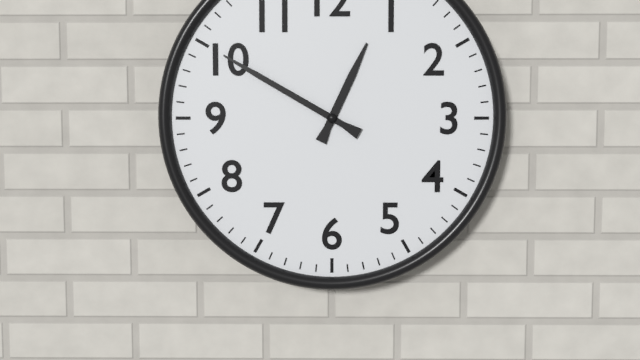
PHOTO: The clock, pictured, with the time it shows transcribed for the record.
12:50
